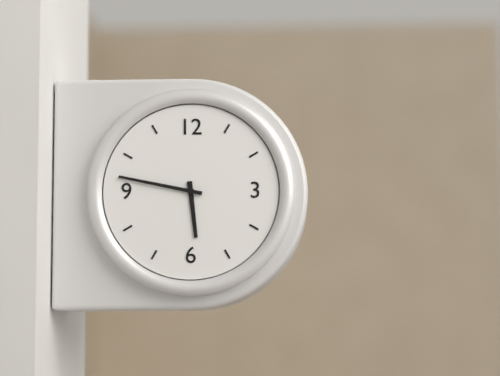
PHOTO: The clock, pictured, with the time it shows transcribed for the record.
5:47
